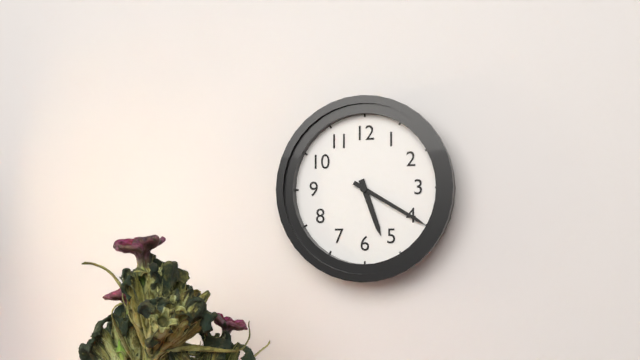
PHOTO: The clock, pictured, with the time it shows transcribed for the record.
5:20
